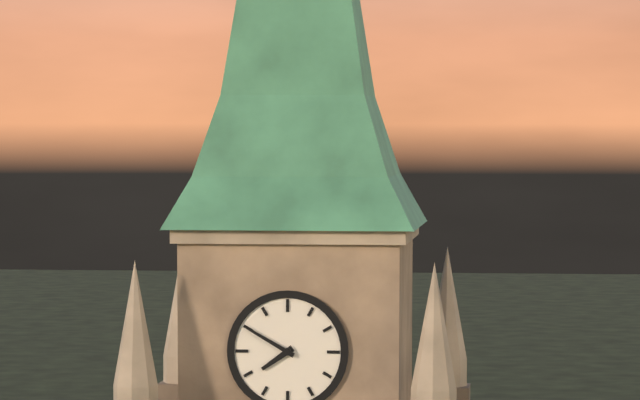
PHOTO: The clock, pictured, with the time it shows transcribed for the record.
7:50
